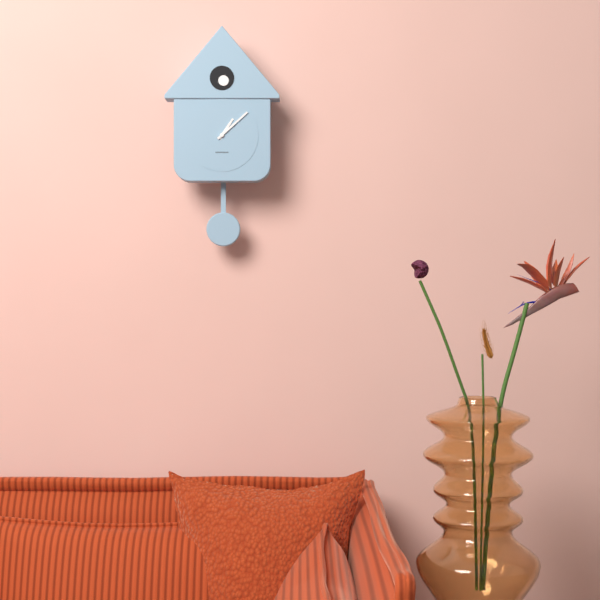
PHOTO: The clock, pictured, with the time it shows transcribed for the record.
1:08
